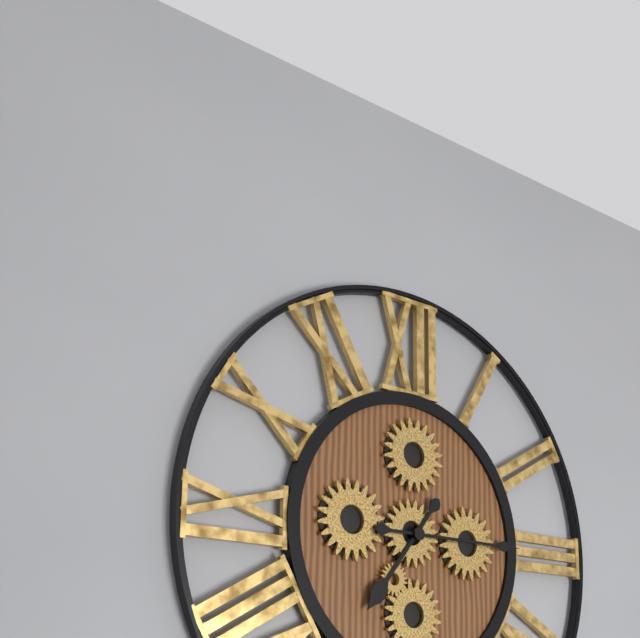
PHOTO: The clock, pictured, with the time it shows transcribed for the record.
7:15
